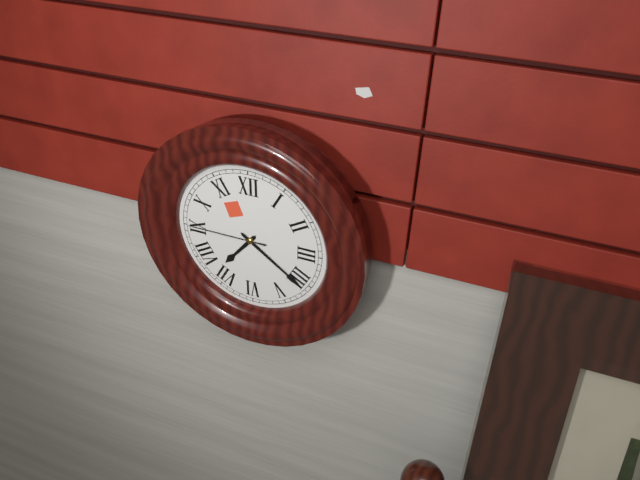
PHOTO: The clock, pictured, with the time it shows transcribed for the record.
7:21:45
